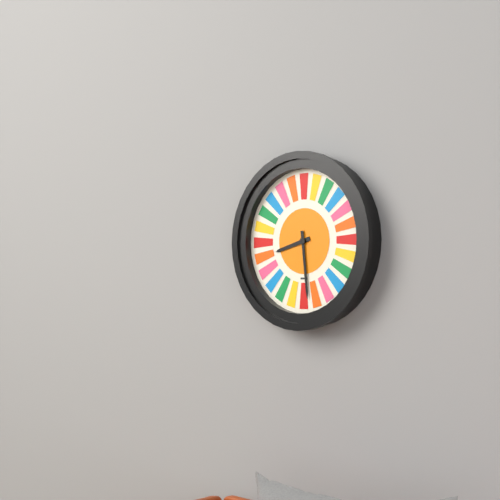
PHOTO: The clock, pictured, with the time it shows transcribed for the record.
8:29
